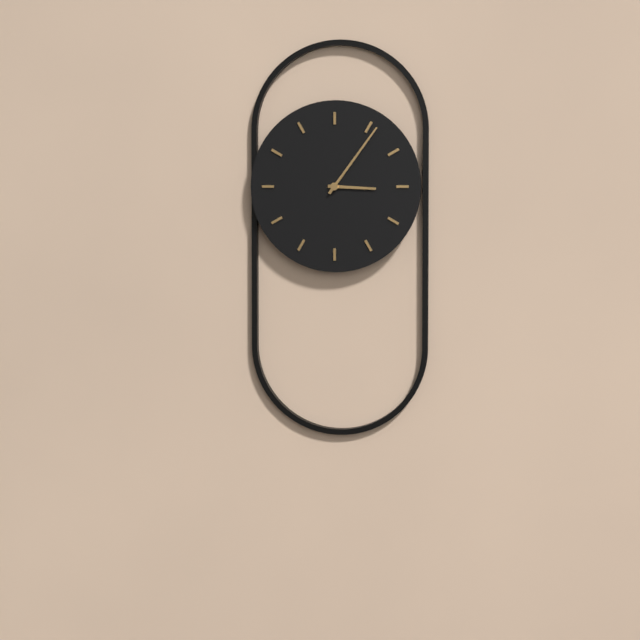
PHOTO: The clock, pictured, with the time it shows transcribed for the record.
3:06
